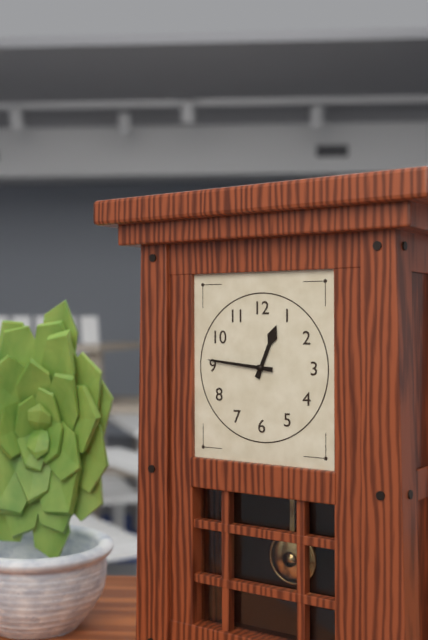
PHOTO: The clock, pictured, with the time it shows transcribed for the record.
12:46
